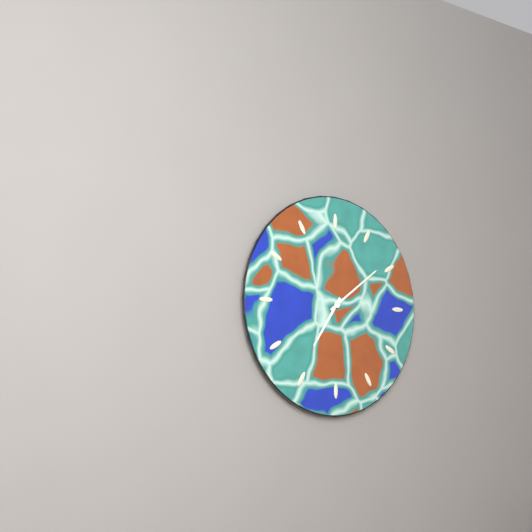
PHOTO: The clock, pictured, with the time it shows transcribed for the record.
7:09
